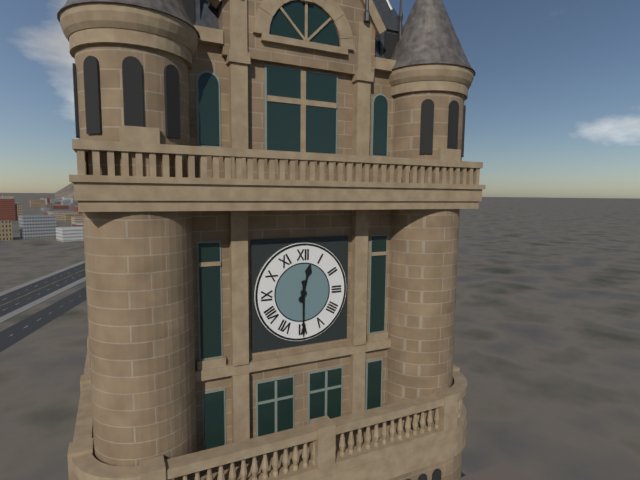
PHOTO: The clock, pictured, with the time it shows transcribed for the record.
12:30
